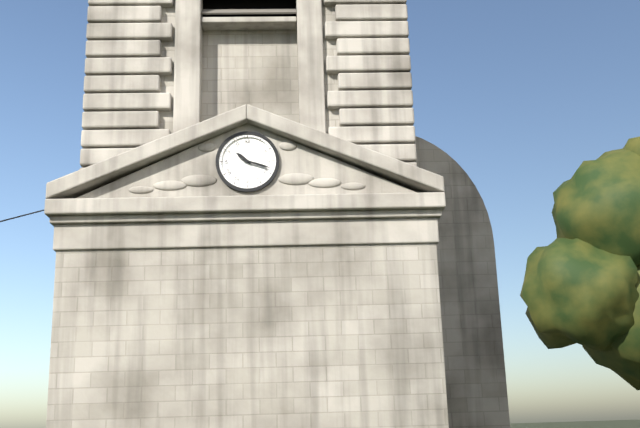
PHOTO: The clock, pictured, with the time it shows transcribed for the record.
10:18
